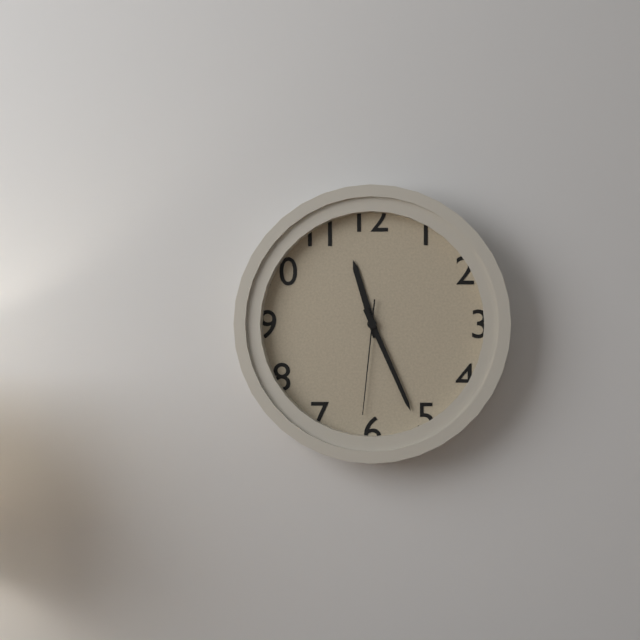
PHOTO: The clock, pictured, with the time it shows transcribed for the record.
11:26:31
